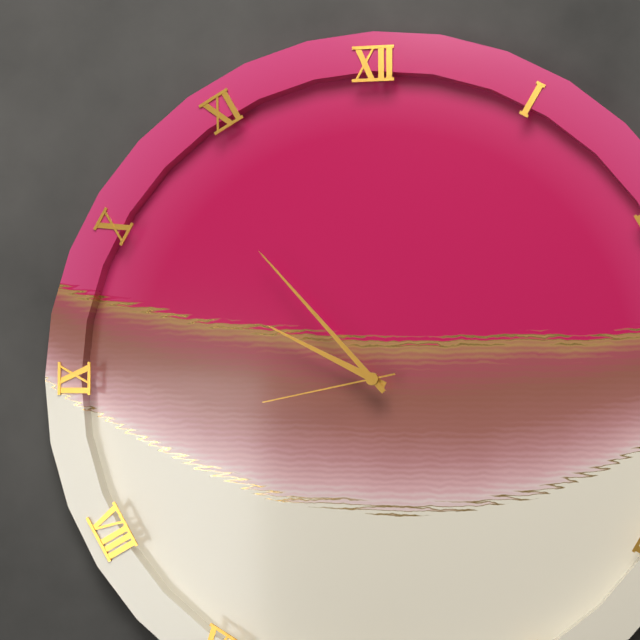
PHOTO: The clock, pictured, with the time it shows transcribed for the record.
9:53:43
